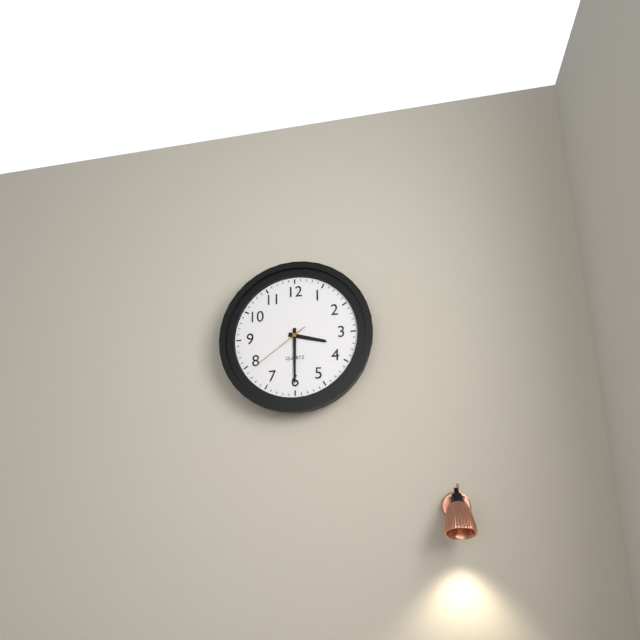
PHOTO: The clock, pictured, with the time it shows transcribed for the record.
3:30:39
